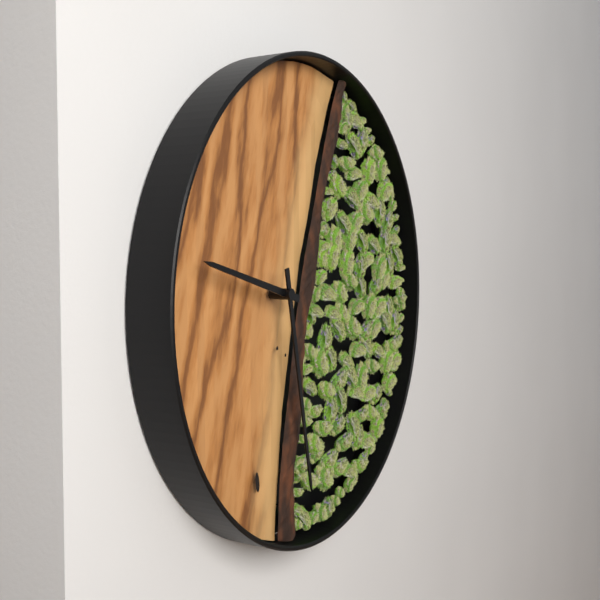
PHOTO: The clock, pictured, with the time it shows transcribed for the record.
9:28
